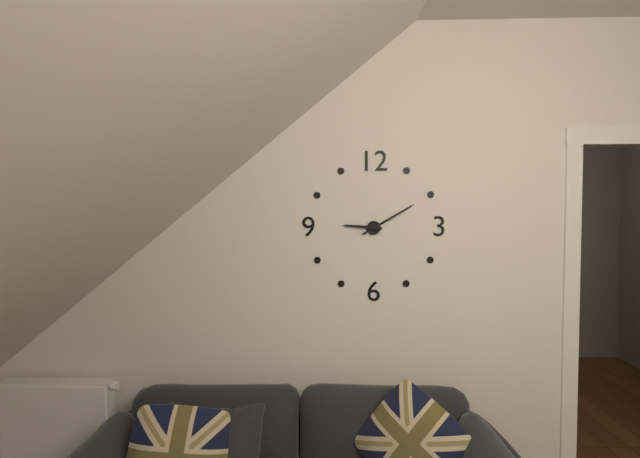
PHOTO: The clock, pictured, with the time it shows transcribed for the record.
9:10
